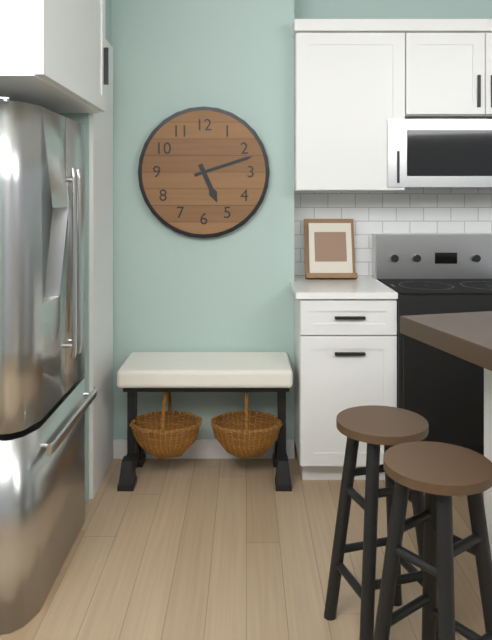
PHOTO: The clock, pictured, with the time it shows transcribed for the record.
5:12
